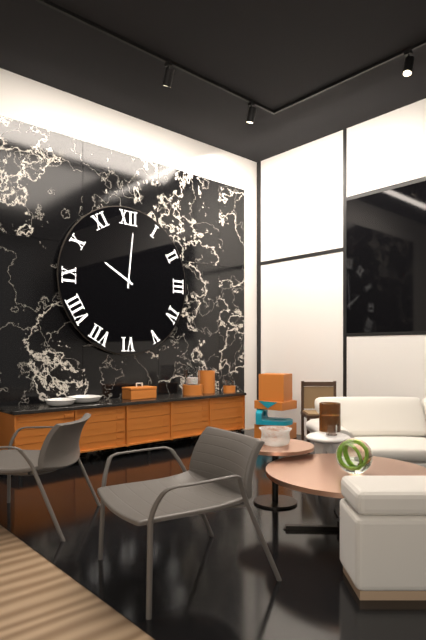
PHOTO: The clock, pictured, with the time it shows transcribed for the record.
10:01
